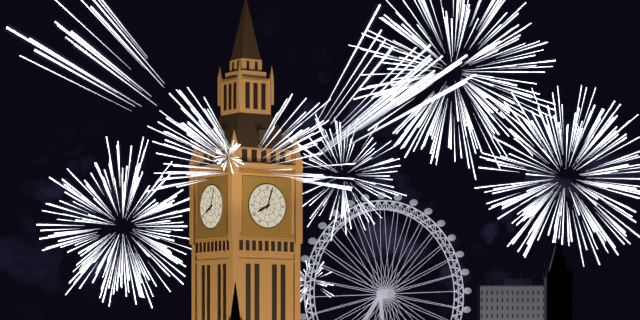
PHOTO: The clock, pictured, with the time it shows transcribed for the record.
8:03
